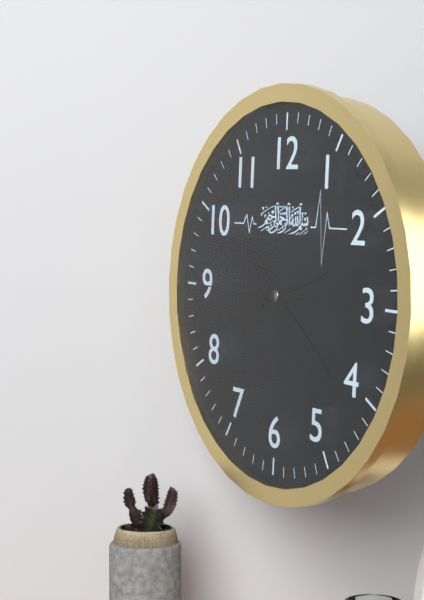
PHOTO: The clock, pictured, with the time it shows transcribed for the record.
2:21:45
